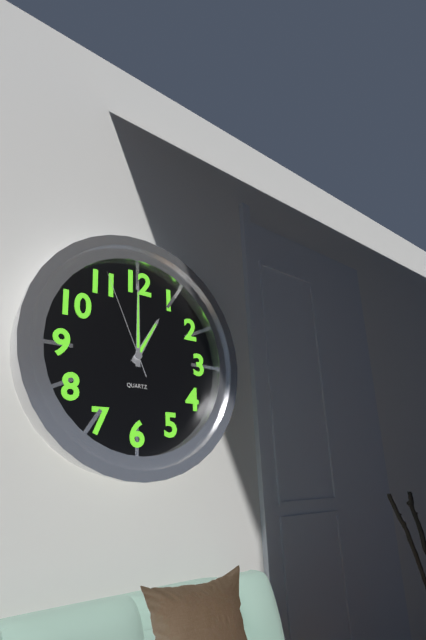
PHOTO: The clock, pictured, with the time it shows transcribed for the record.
1:00:56
